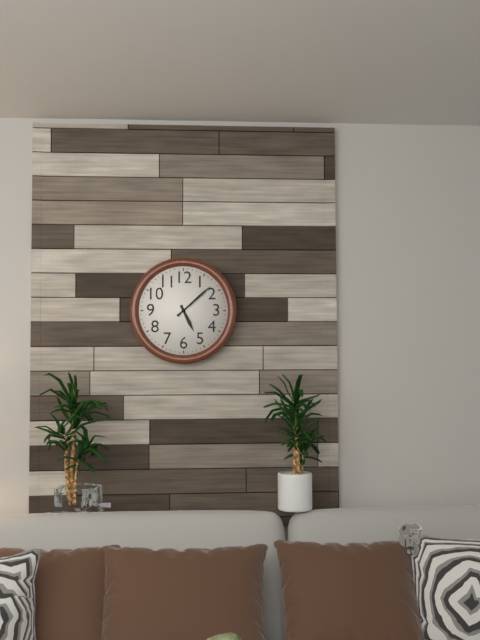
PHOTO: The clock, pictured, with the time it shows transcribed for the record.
5:08
